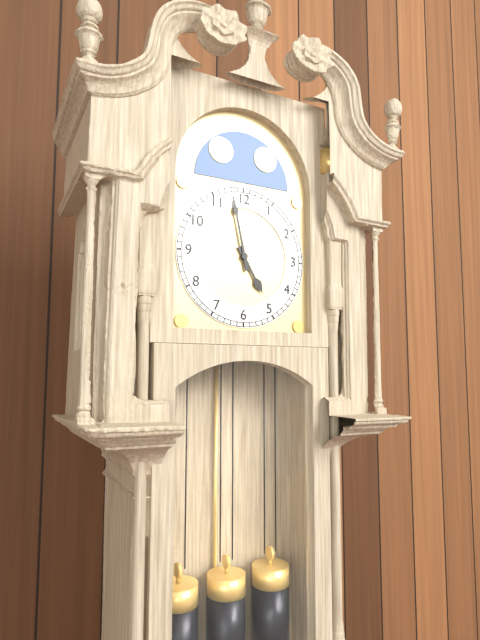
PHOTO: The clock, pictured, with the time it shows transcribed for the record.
4:58
